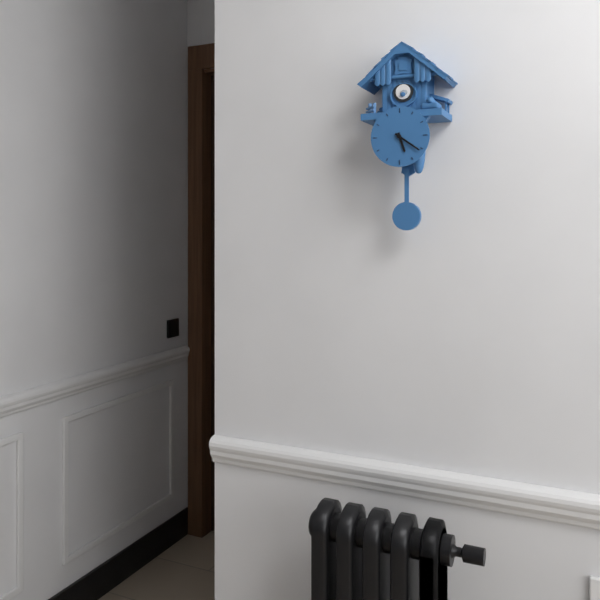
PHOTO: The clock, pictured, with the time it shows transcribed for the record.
5:21
